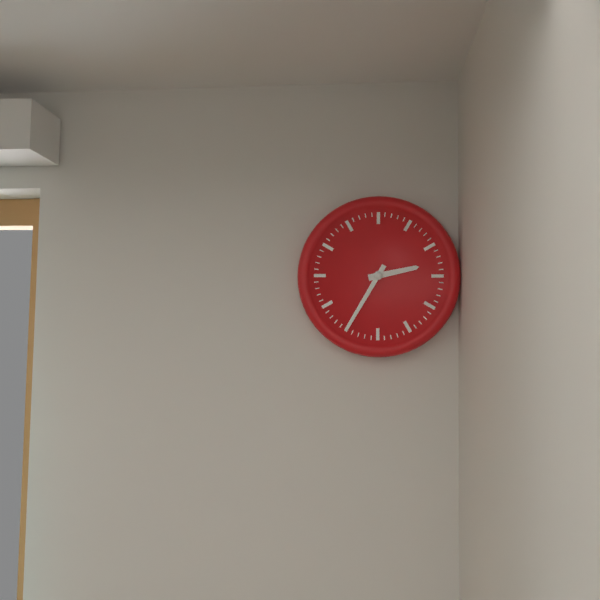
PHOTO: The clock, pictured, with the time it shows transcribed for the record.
2:35
